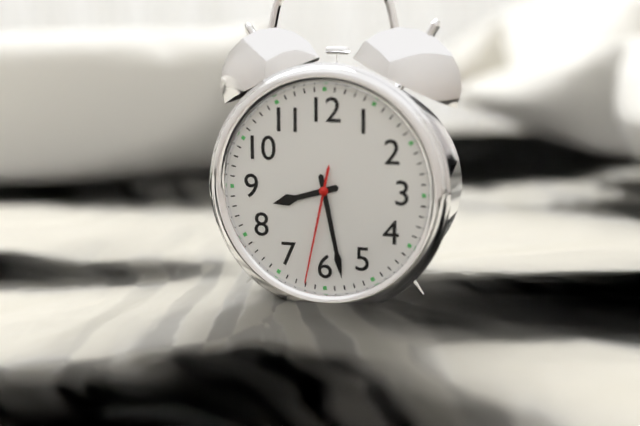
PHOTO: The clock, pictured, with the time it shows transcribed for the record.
8:28:32
